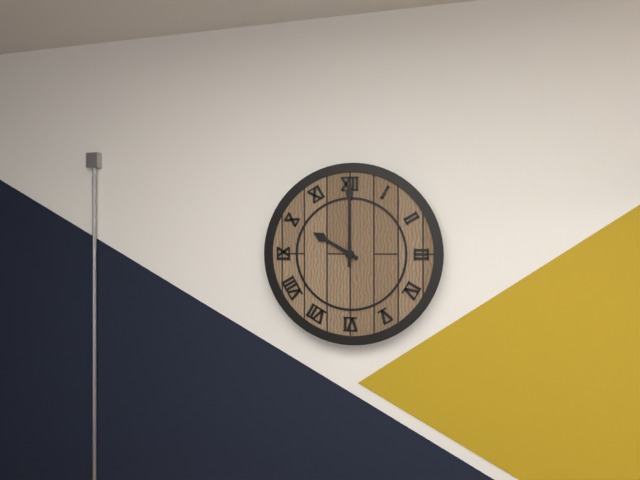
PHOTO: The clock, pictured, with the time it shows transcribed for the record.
10:00
